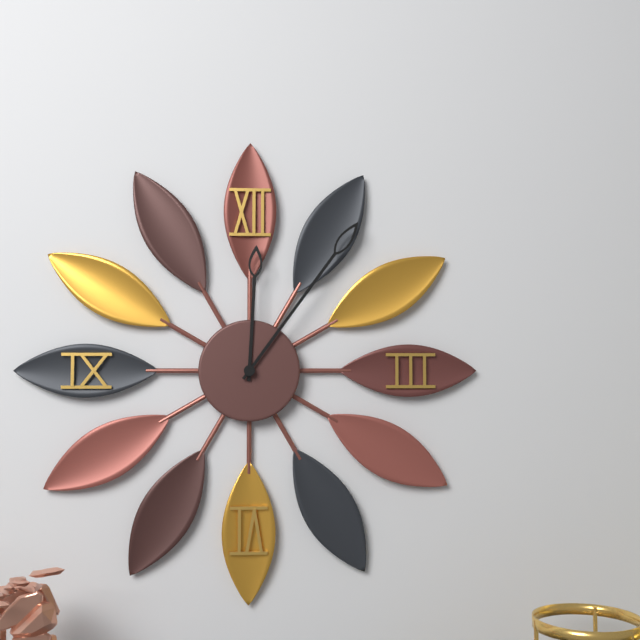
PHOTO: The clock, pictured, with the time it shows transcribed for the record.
12:06
